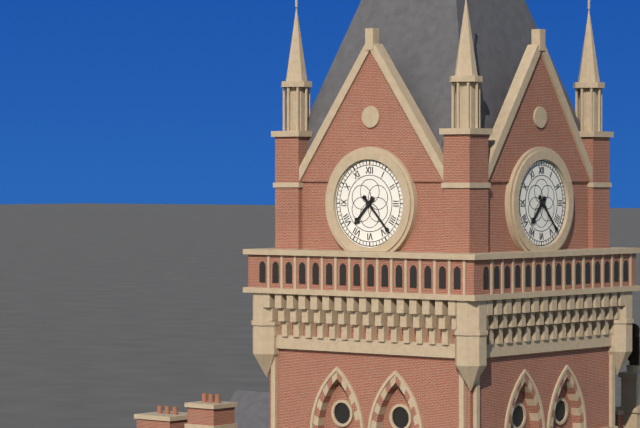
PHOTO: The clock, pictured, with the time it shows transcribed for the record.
7:23
